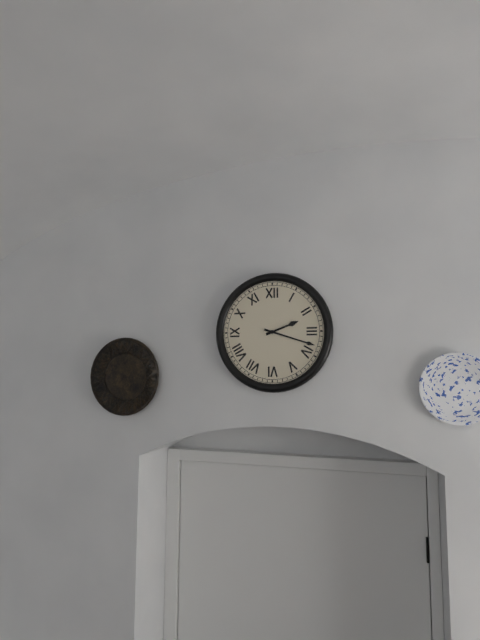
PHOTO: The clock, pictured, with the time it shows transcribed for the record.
2:18
